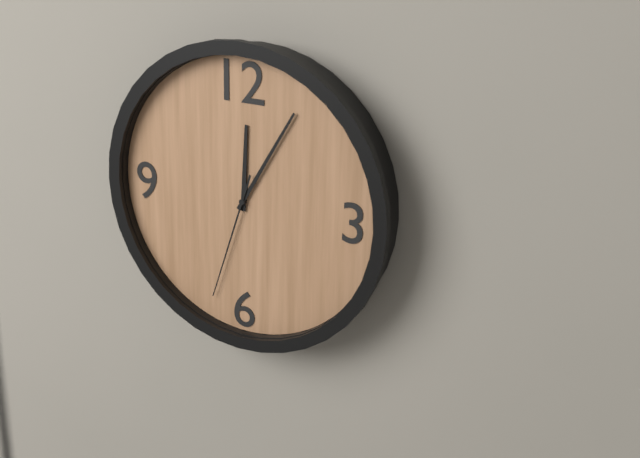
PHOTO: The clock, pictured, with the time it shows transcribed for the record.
12:05:33
